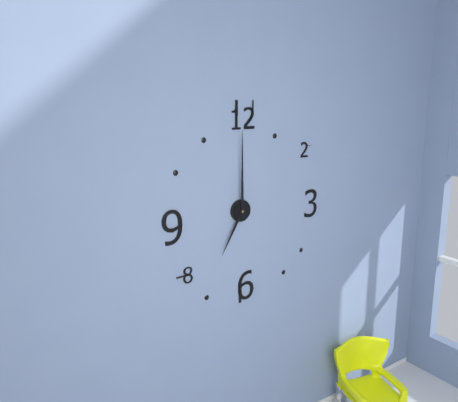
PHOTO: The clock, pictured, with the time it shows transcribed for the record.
7:00
